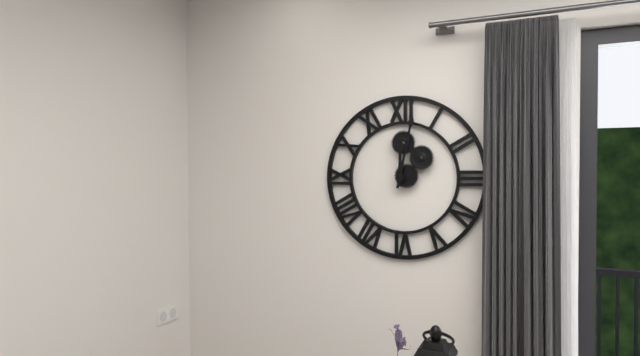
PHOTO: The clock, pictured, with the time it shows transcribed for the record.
12:02
